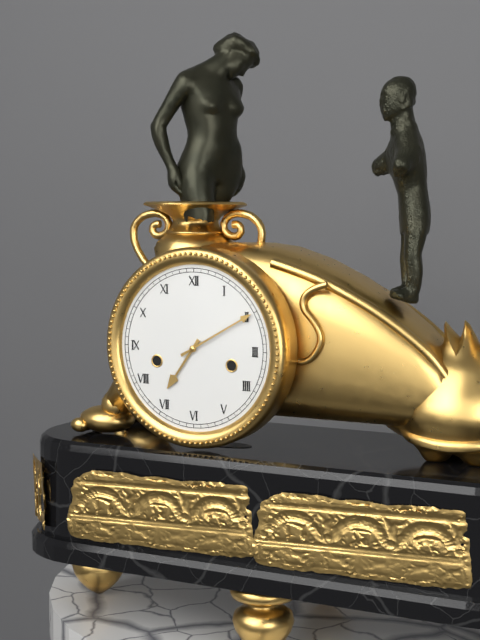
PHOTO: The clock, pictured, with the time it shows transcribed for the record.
7:10
